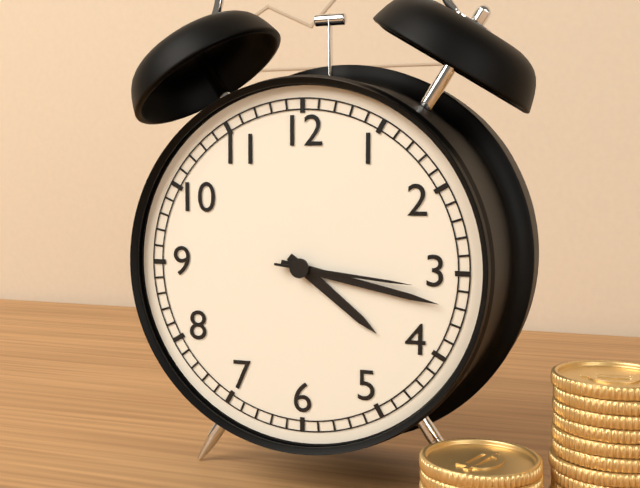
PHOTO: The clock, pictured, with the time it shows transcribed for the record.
4:17:16
